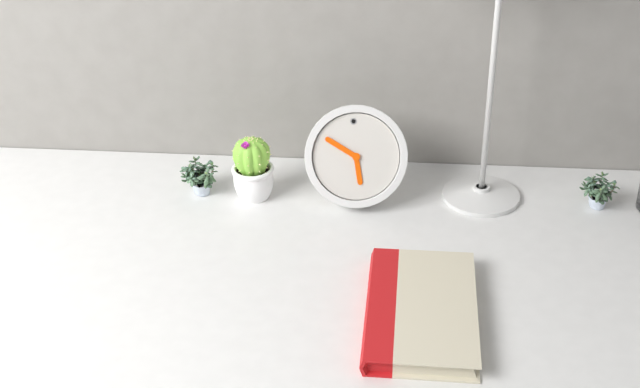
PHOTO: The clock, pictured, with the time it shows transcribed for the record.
5:51
